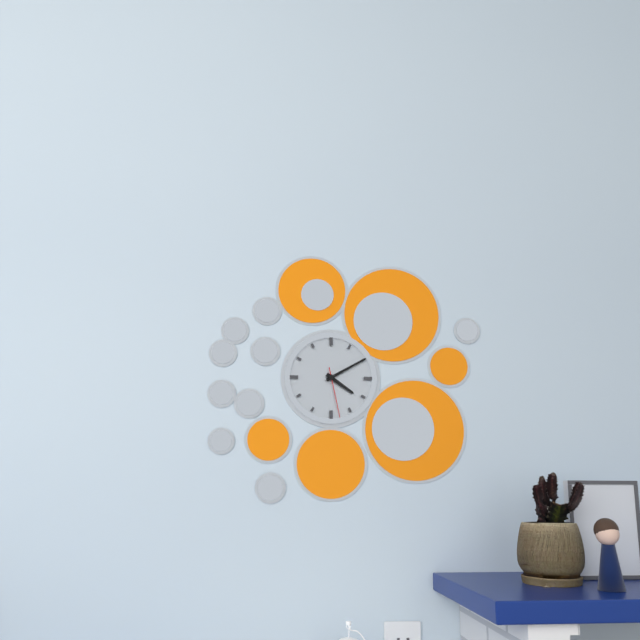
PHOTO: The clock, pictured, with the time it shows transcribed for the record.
4:10:28
